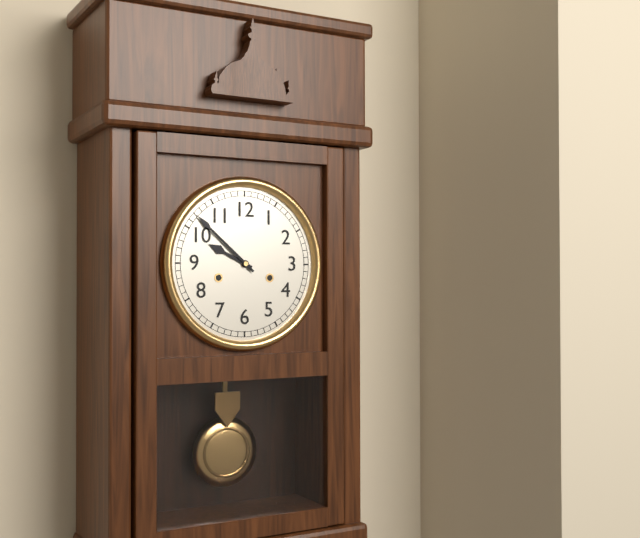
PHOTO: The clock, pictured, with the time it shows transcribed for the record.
9:52
